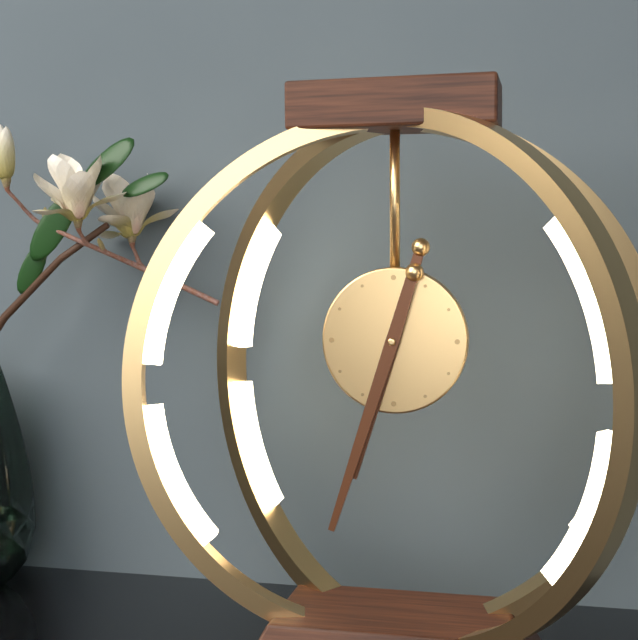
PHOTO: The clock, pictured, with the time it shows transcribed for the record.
6:33
